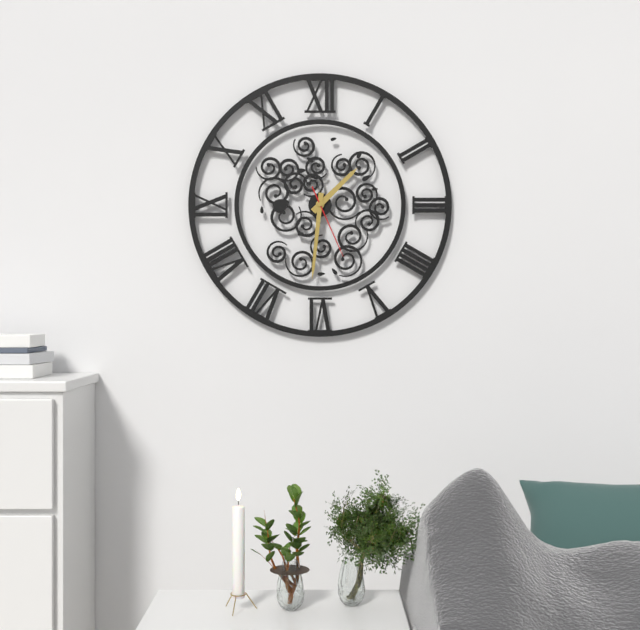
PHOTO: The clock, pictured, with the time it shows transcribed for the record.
1:31:26
